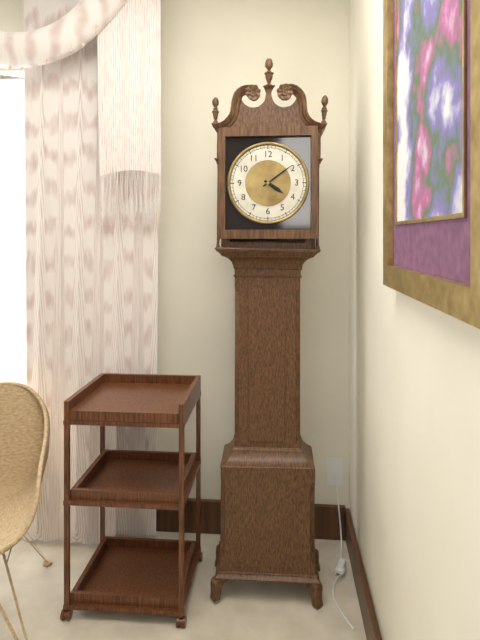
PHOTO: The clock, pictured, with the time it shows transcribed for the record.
4:09
